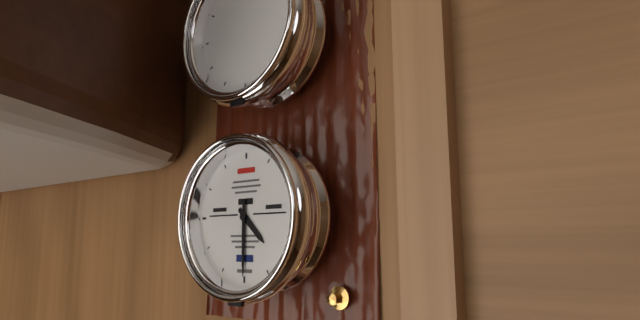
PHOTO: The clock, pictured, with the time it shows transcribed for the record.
4:30
